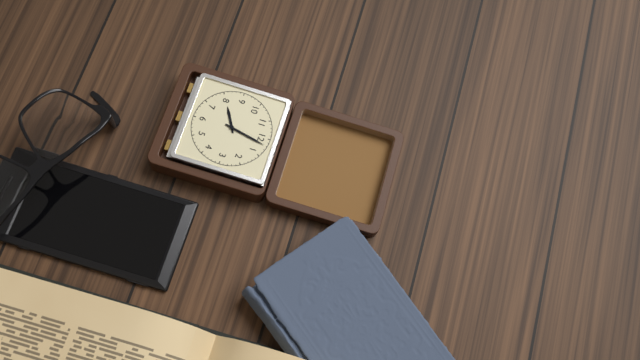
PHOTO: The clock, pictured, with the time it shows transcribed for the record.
8:02
